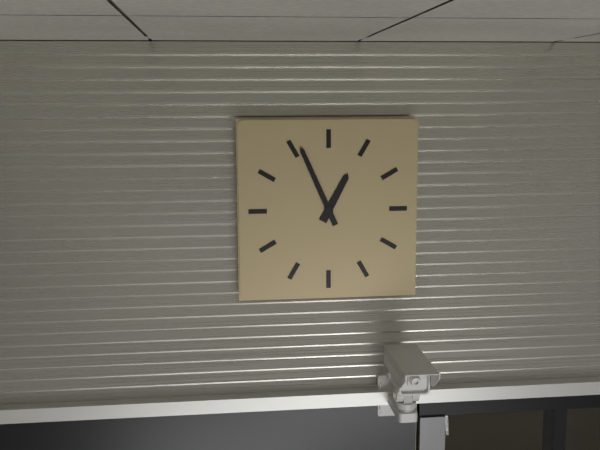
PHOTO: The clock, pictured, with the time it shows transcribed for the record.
12:56
